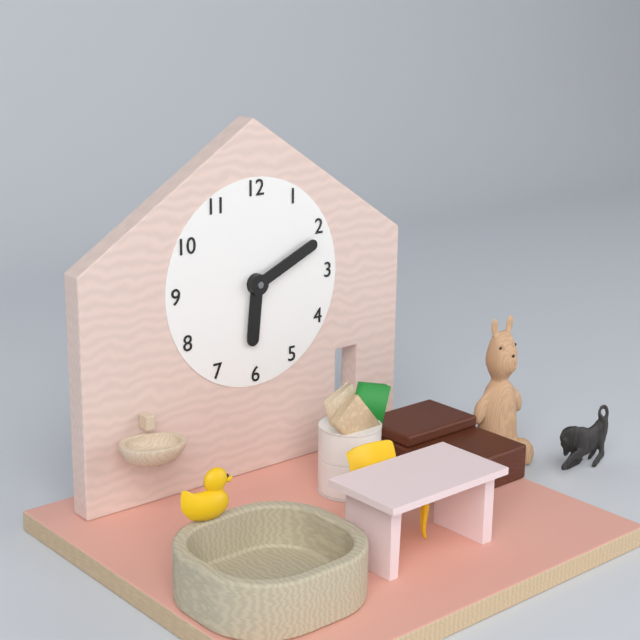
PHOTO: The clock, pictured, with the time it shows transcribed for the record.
6:11
